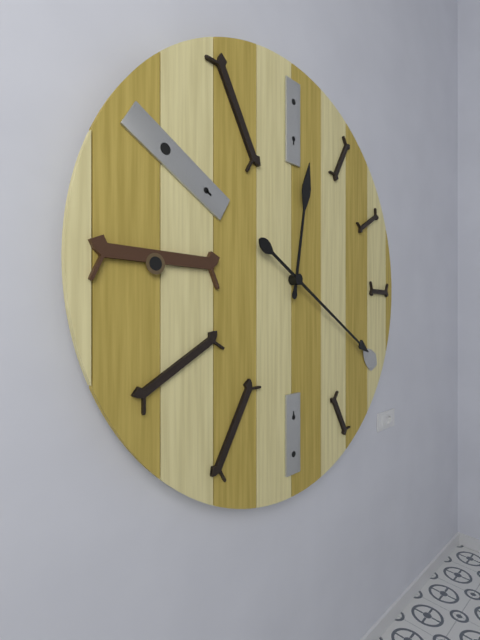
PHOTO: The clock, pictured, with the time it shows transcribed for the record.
12:20
